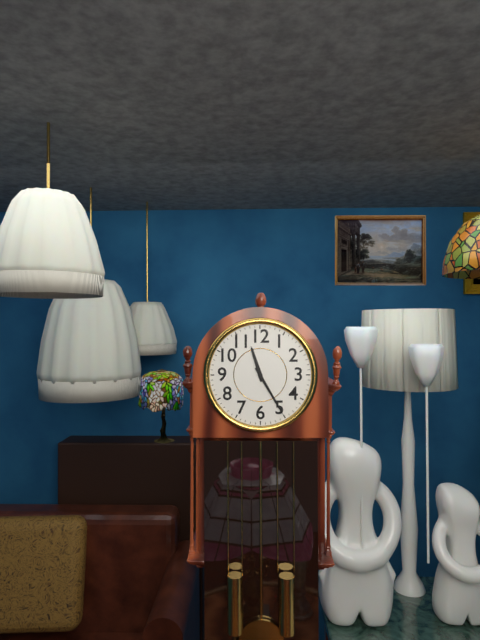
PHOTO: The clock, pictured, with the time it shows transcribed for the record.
11:25
